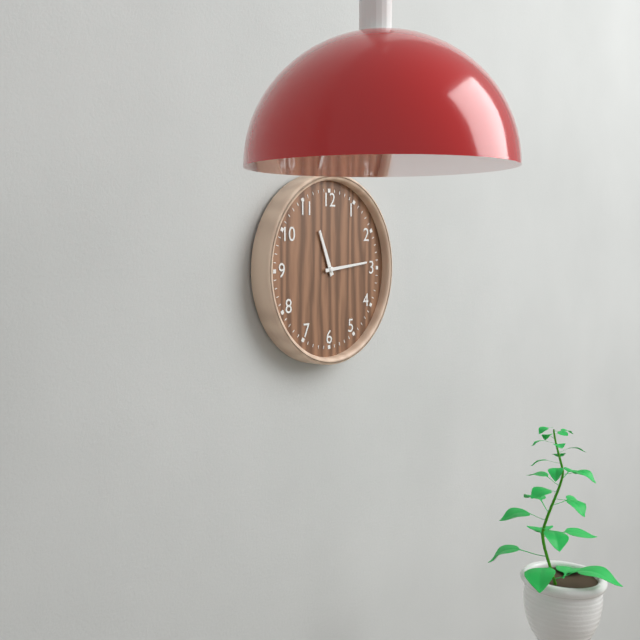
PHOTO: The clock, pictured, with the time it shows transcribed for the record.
11:14
